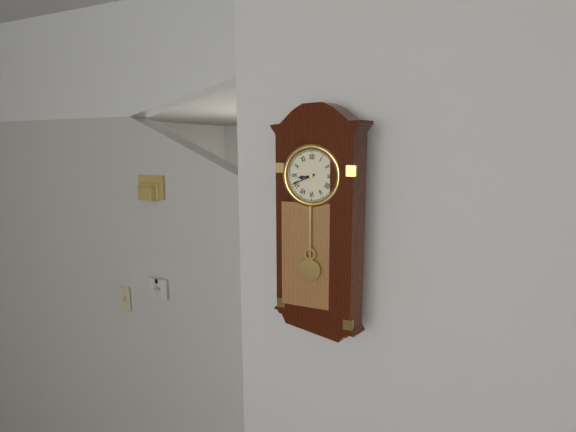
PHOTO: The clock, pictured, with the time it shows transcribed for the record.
8:41
